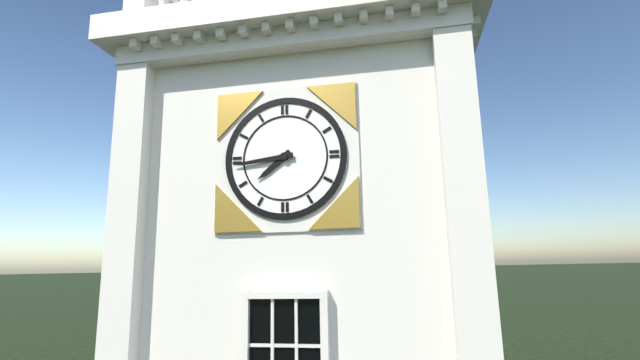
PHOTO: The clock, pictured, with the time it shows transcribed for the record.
7:44
